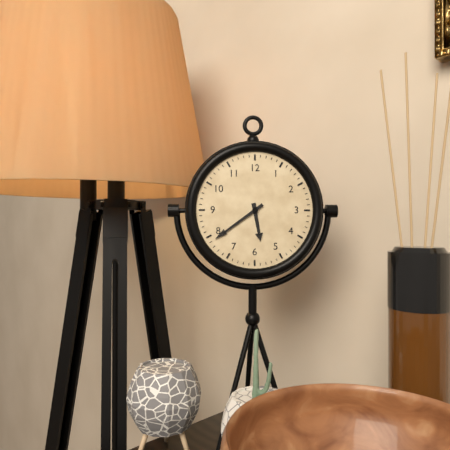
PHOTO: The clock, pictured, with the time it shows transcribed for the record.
5:39
